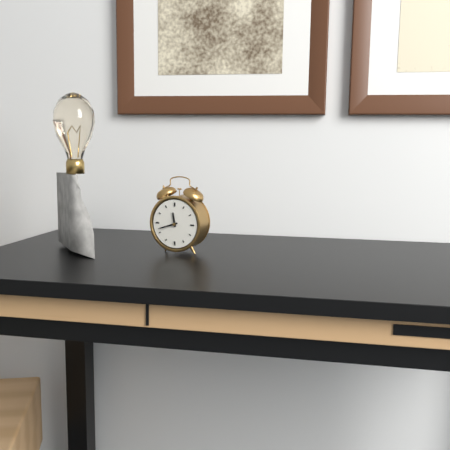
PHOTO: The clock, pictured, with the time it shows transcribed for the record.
11:42
